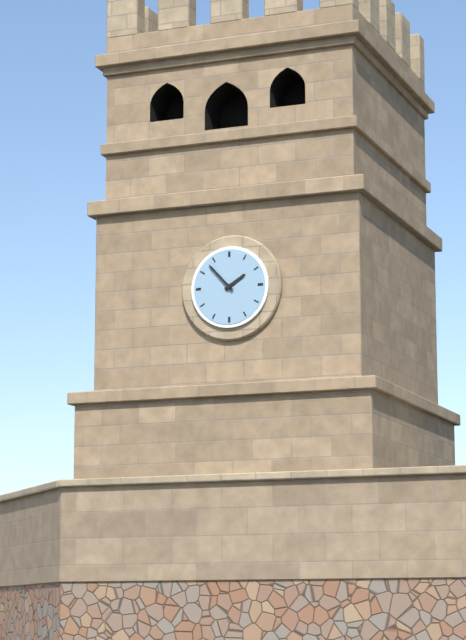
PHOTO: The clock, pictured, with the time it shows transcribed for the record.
1:53
